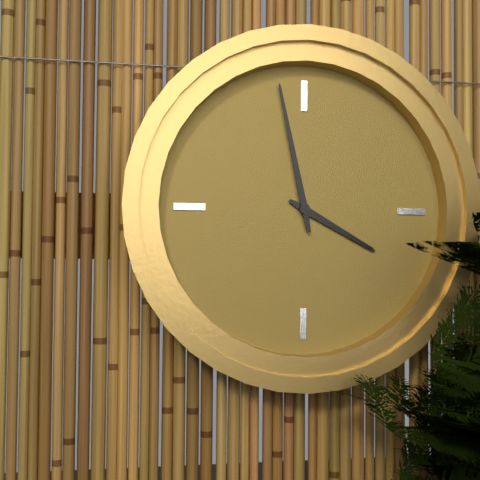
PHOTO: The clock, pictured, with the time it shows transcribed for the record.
3:58
